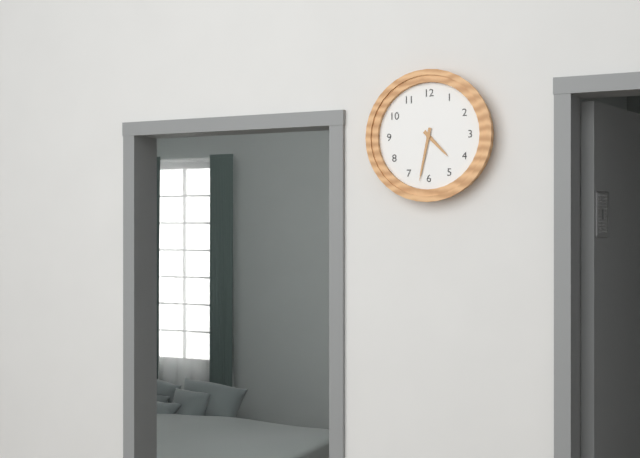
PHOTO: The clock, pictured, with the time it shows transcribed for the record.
4:32
